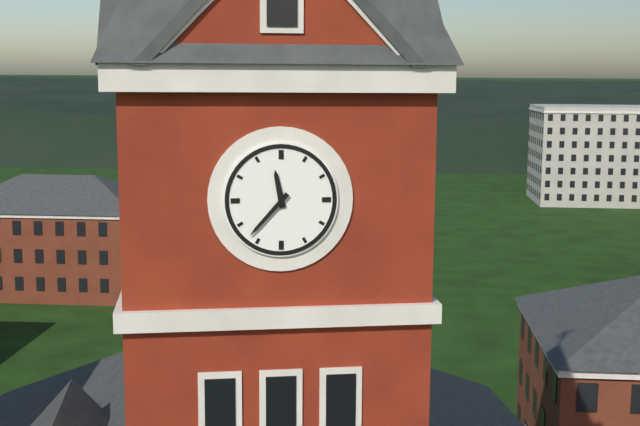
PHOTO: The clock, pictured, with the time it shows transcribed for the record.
11:37
